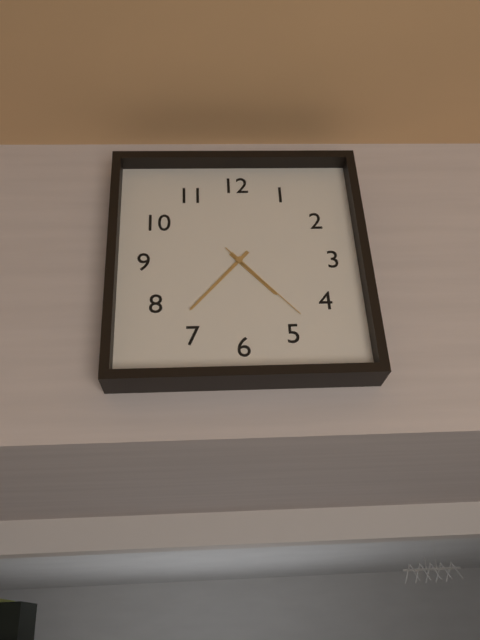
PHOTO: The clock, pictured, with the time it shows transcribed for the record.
4:37:23
